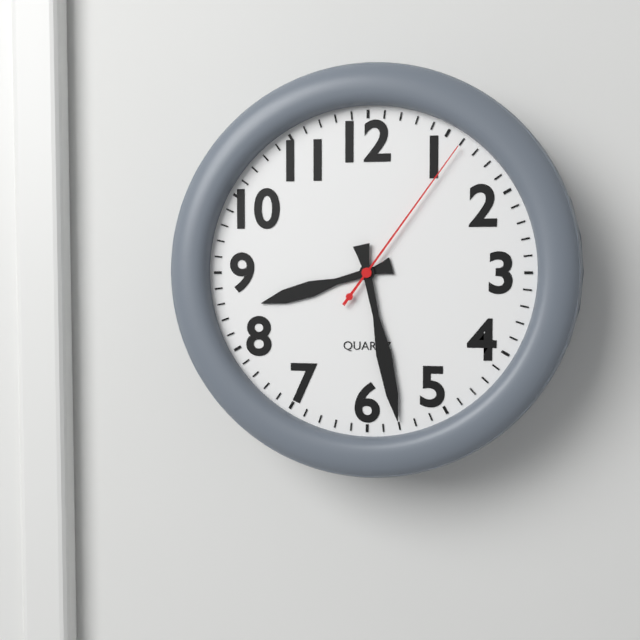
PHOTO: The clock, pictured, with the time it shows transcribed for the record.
8:28:06
